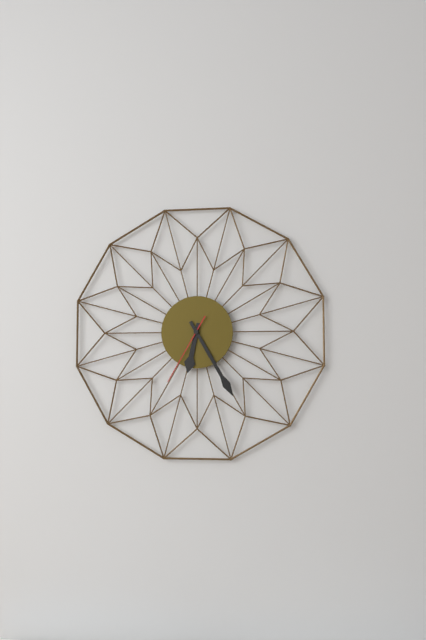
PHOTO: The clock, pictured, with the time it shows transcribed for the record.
6:25:35
